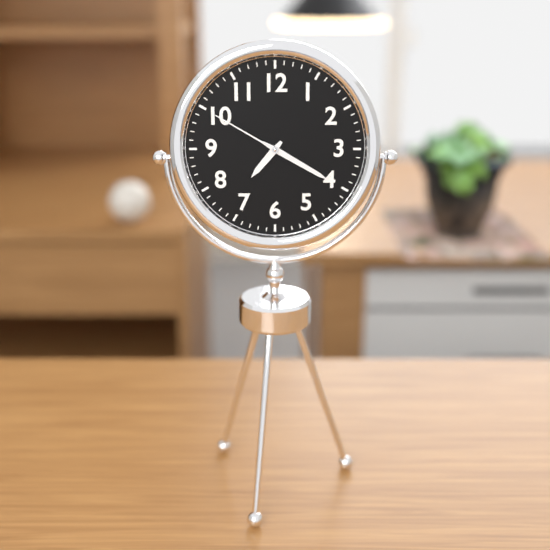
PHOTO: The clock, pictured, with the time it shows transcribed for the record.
7:20:50
